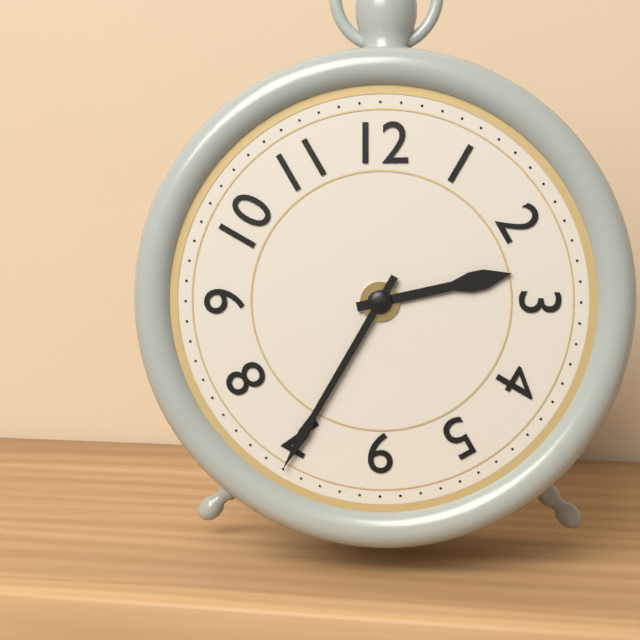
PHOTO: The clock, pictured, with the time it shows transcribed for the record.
2:35
